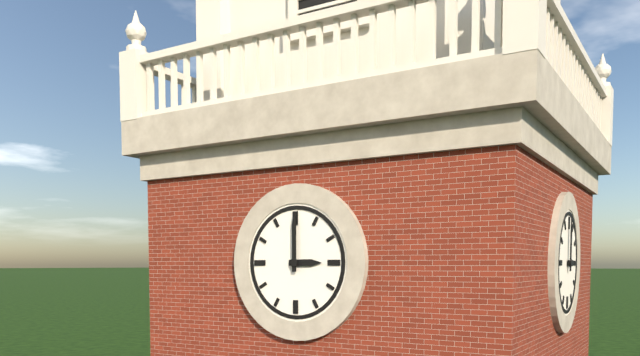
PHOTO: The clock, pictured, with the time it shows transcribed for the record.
3:00
